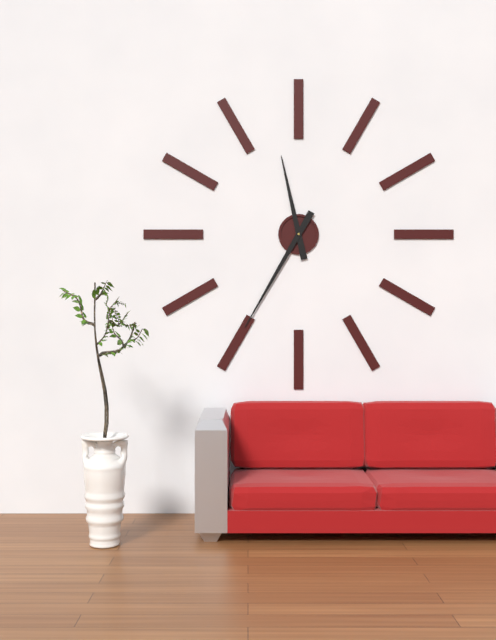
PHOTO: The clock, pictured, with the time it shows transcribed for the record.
11:35
